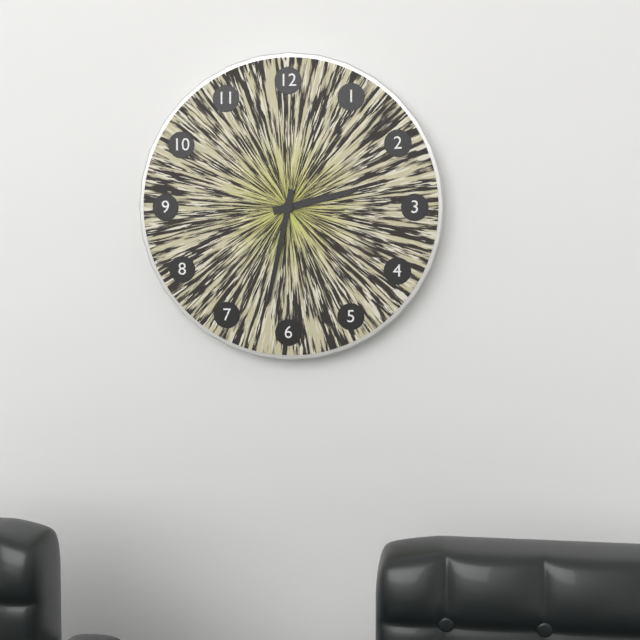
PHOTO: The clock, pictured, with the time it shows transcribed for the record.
2:32
